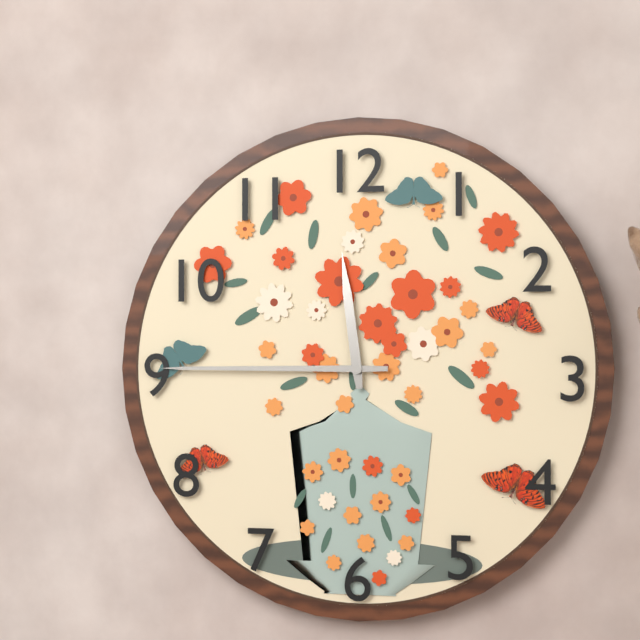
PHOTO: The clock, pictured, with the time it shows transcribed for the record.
11:45
